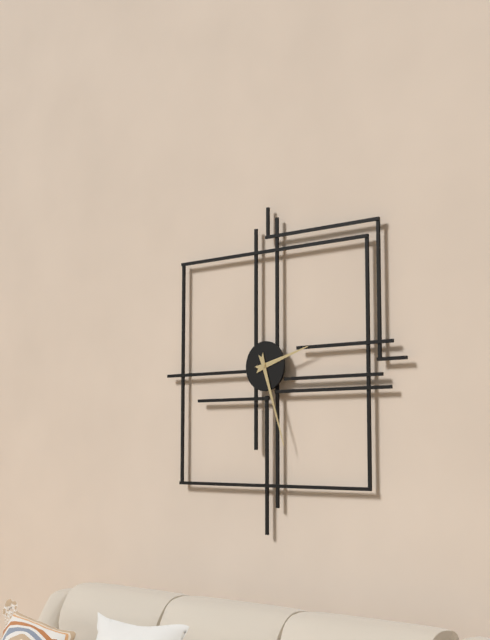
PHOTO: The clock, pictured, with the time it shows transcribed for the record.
2:27
